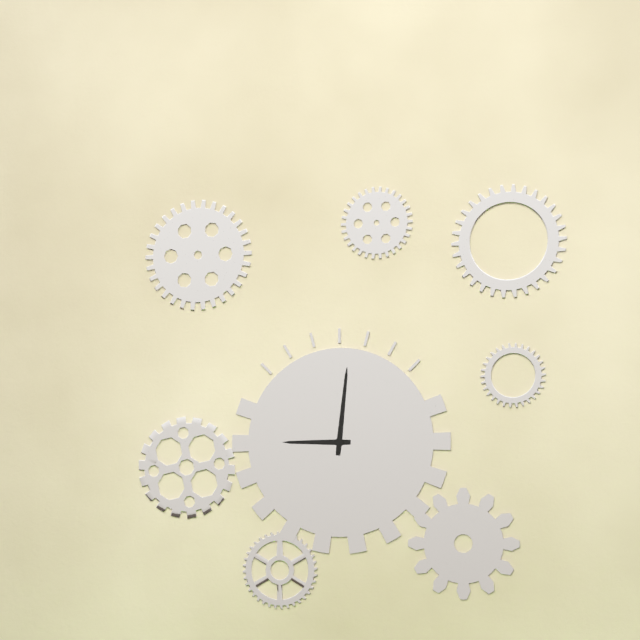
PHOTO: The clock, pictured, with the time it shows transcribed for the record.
9:01
